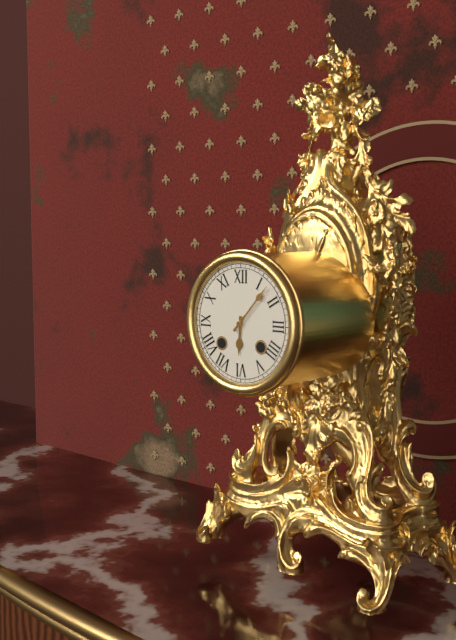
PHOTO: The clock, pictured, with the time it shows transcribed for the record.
6:07
